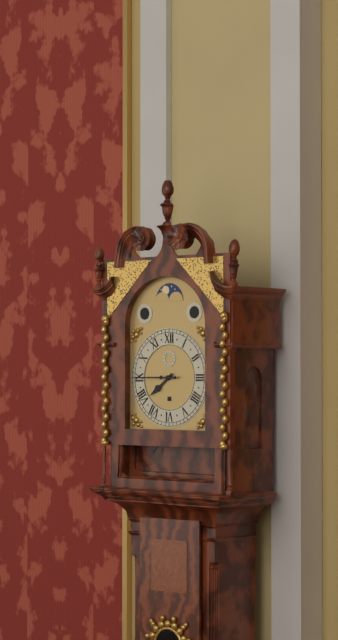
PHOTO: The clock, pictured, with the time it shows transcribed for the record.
7:45
